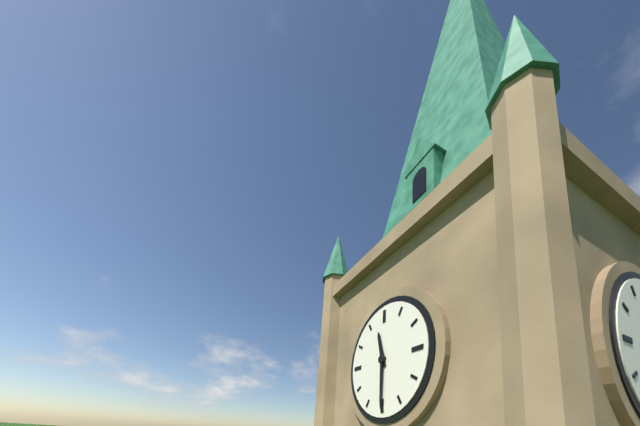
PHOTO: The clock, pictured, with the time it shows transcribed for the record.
11:30
